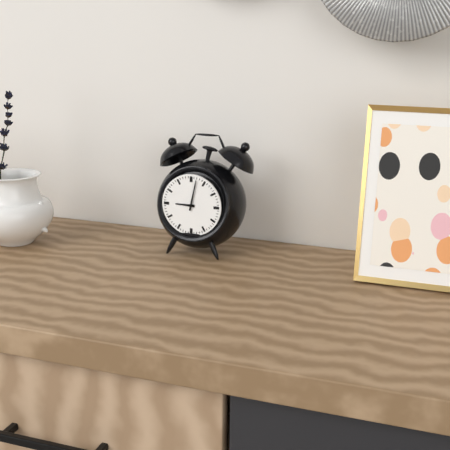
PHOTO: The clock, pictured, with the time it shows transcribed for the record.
9:02
